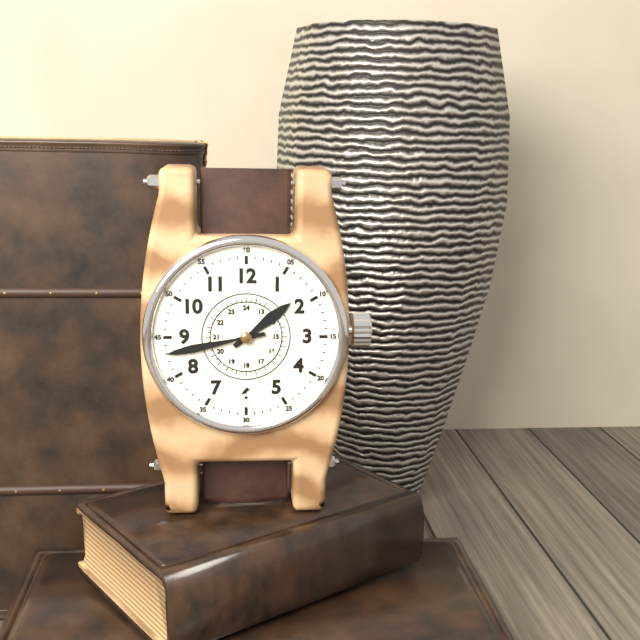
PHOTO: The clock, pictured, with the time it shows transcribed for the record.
1:43
